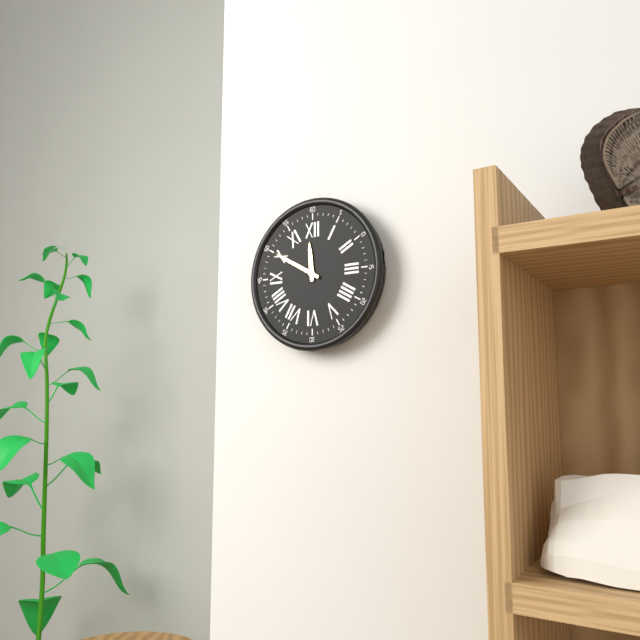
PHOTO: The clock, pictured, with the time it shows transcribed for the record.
11:50
